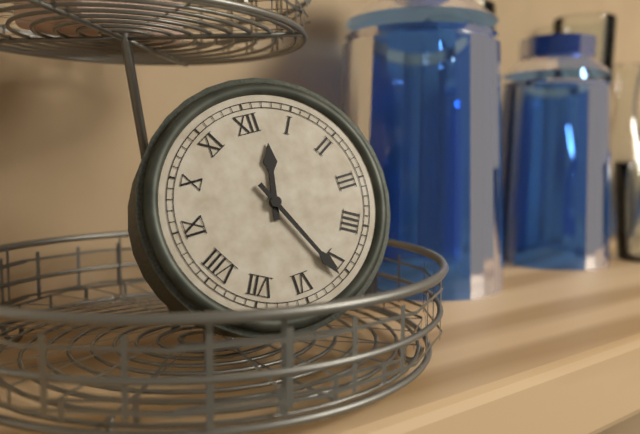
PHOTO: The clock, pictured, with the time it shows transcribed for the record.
12:26
